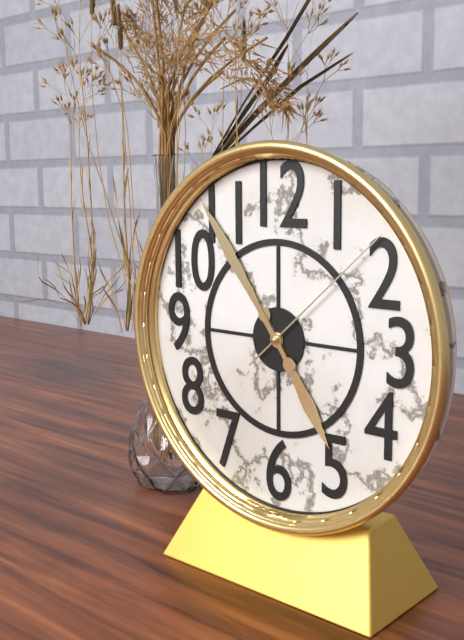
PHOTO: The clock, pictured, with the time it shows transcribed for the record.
4:54:08
